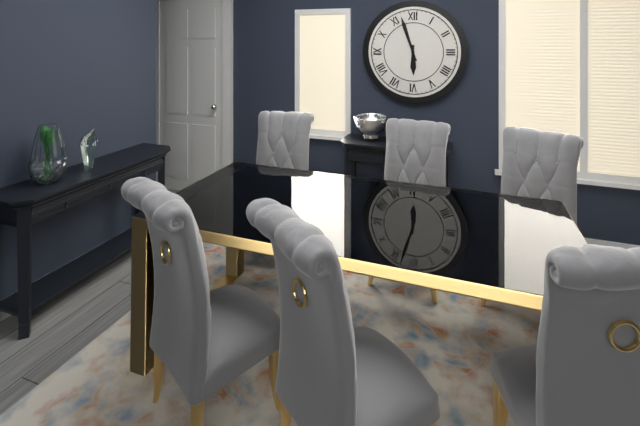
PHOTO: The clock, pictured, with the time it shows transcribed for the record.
5:57
